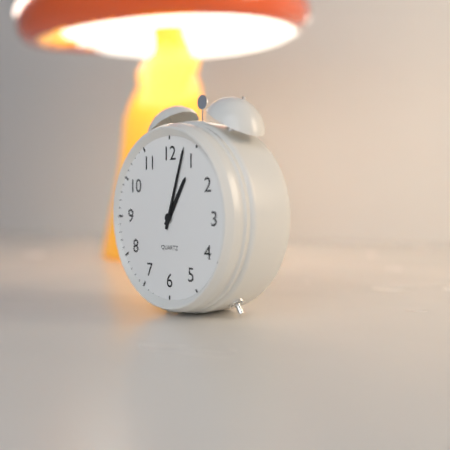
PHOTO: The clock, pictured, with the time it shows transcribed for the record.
1:03
